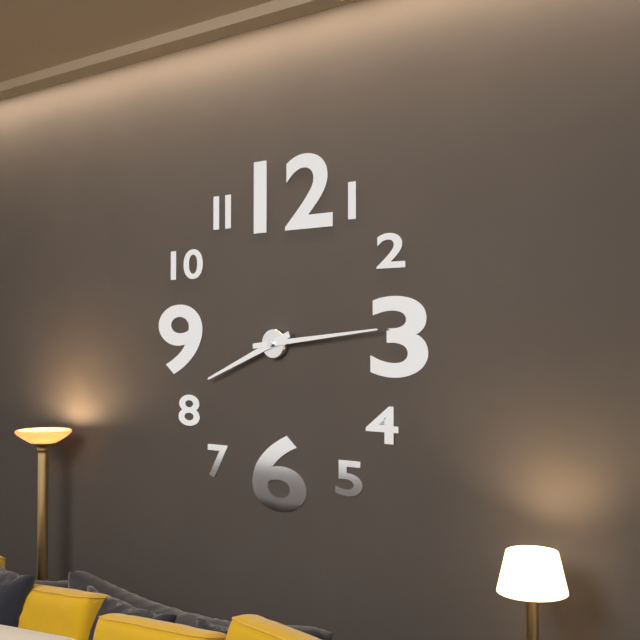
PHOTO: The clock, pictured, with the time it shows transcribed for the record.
8:14
